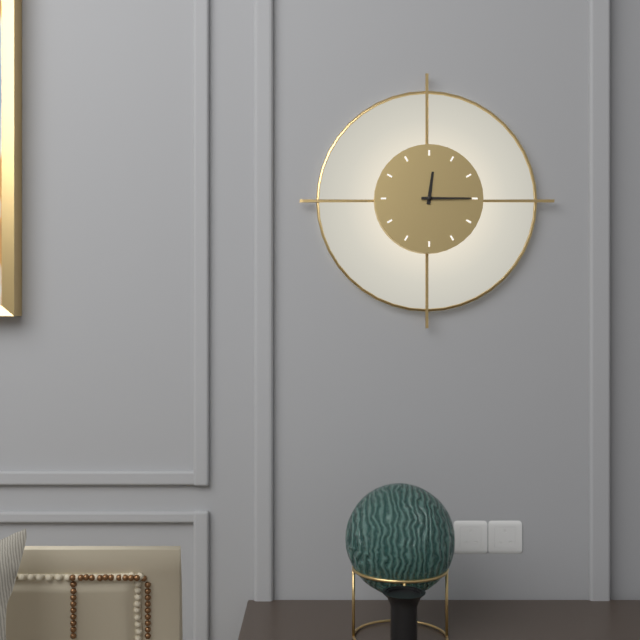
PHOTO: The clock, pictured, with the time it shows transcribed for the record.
12:15
